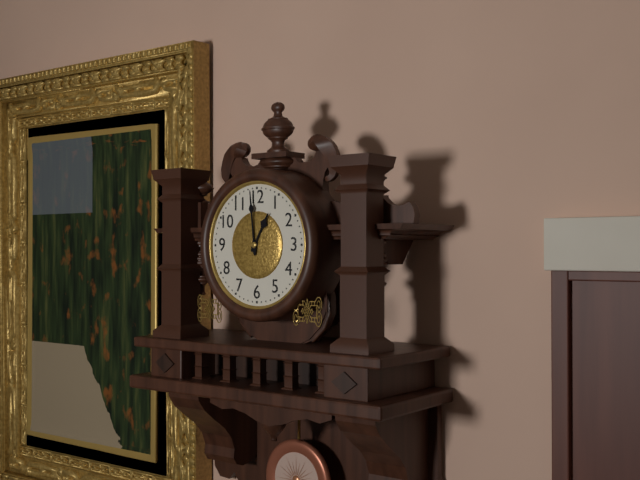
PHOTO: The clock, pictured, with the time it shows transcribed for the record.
12:59
